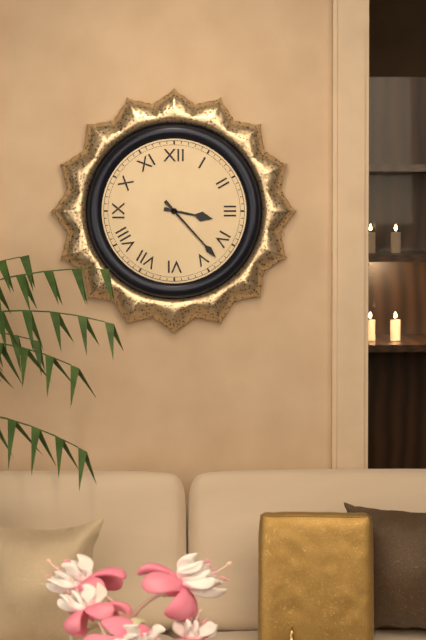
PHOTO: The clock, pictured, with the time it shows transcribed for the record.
3:23
